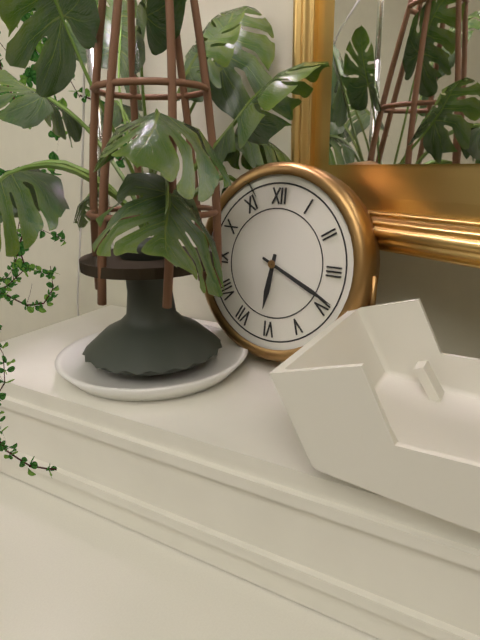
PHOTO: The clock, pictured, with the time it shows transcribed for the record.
6:19
